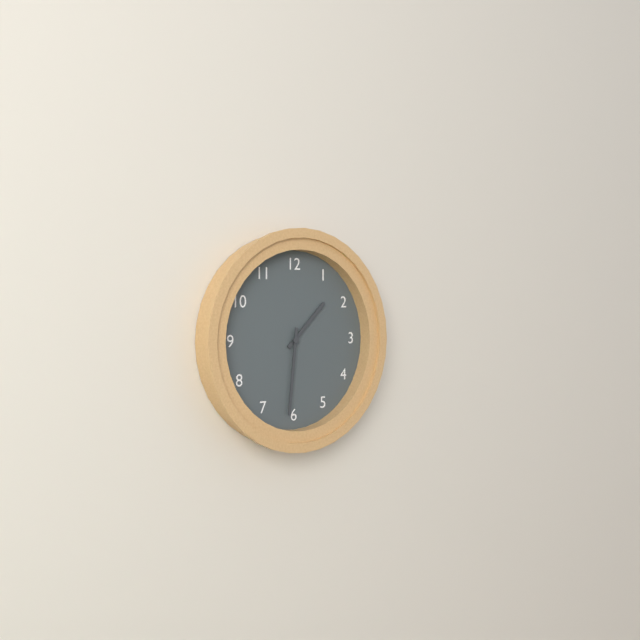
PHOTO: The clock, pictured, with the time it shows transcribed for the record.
1:31
